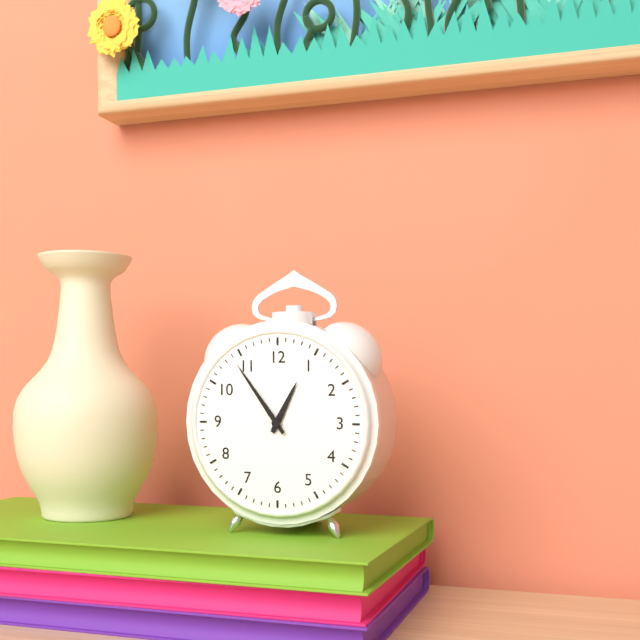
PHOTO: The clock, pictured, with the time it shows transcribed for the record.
12:54
